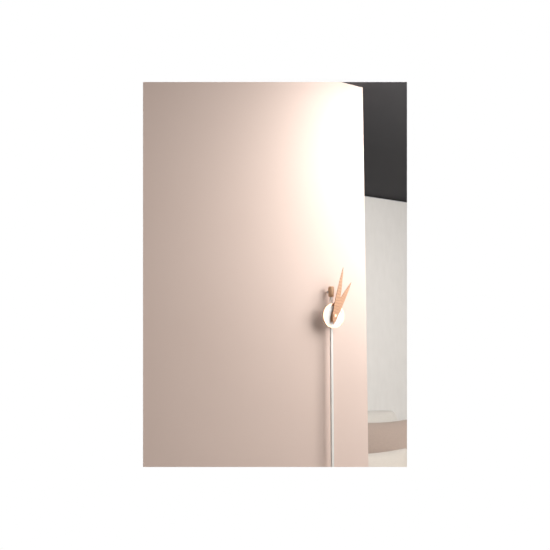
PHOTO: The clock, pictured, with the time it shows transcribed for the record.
1:02
